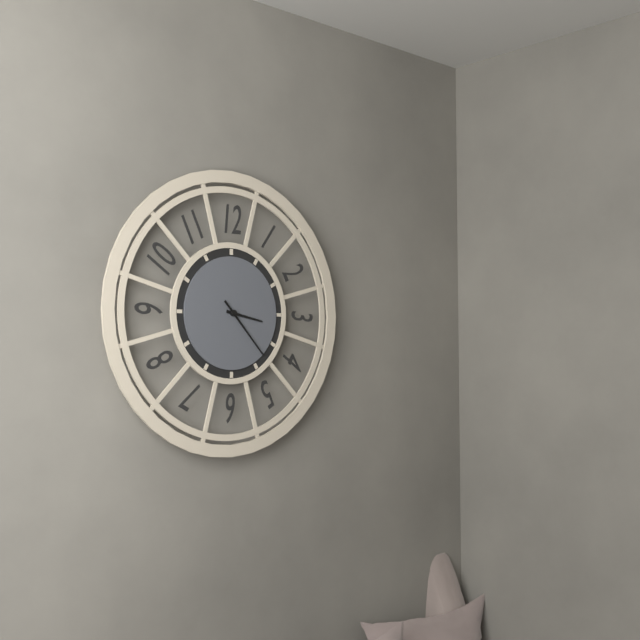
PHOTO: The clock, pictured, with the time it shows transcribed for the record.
3:23
